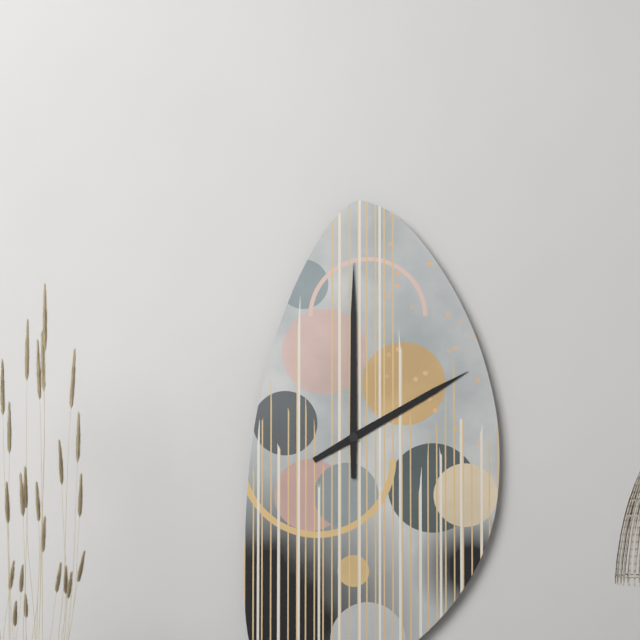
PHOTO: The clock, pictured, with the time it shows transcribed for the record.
2:00
